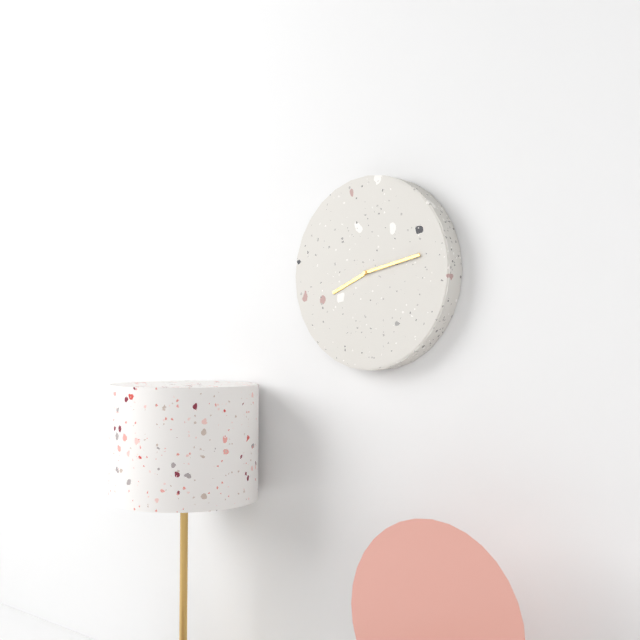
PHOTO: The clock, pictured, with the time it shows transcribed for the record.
8:13
